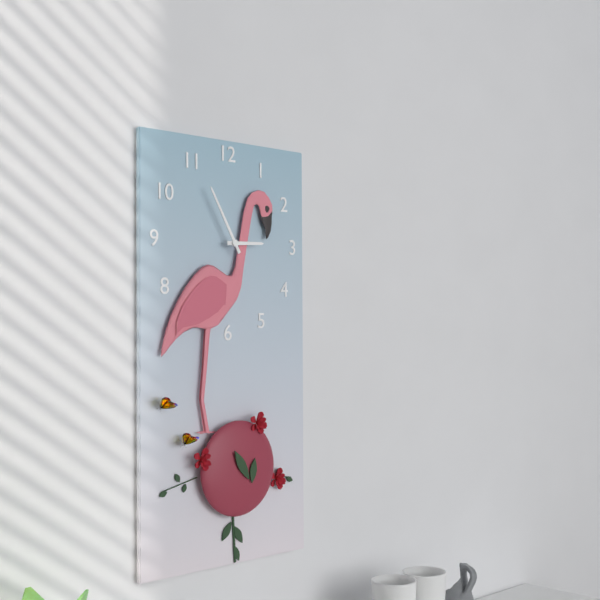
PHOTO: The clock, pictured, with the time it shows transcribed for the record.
2:55
